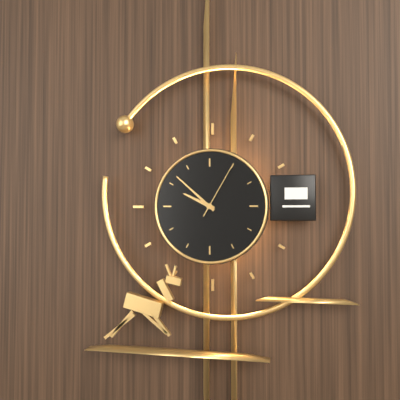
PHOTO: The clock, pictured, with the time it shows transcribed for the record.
9:52:05
